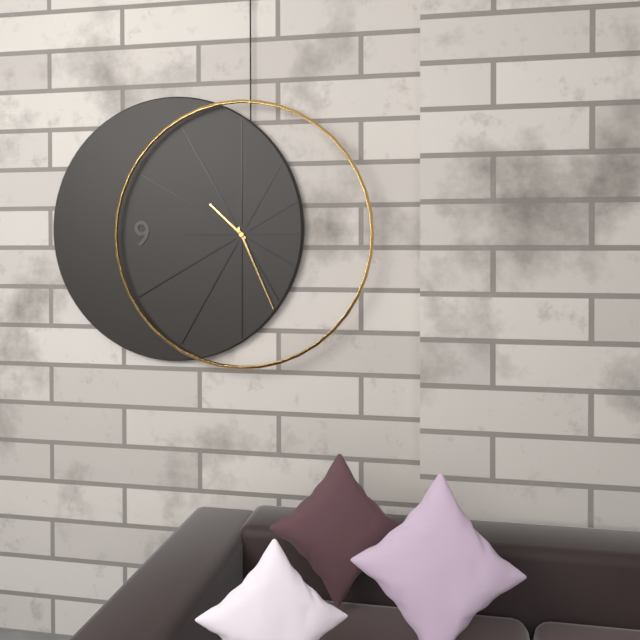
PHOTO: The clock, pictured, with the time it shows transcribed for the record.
10:26
